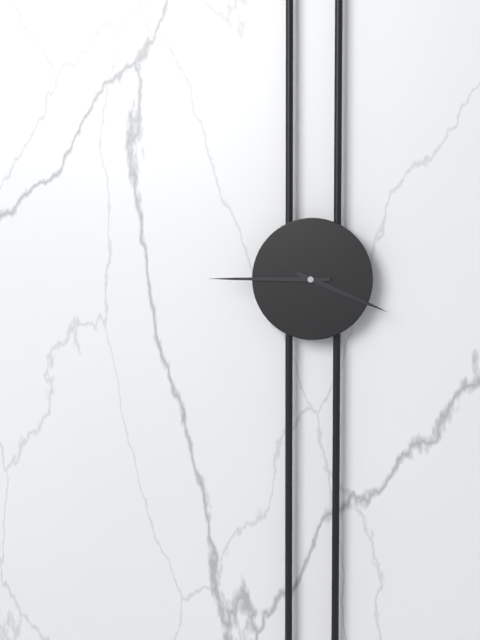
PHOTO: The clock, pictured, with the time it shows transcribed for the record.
3:45
